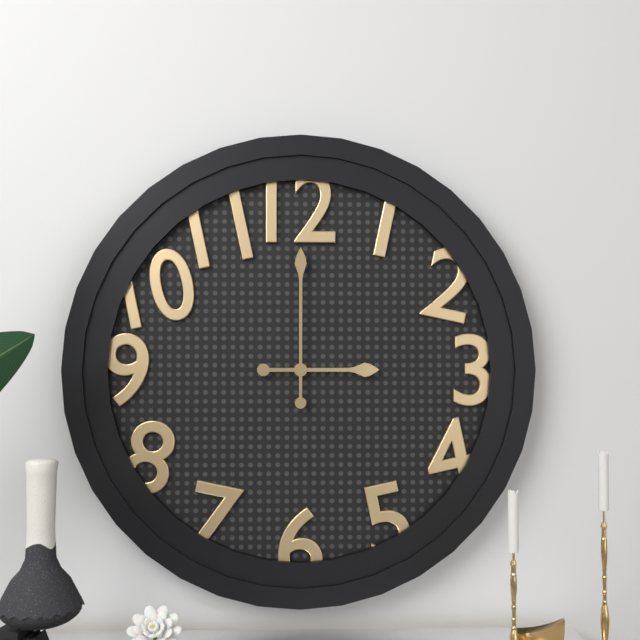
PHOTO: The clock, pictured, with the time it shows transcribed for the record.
3:00
